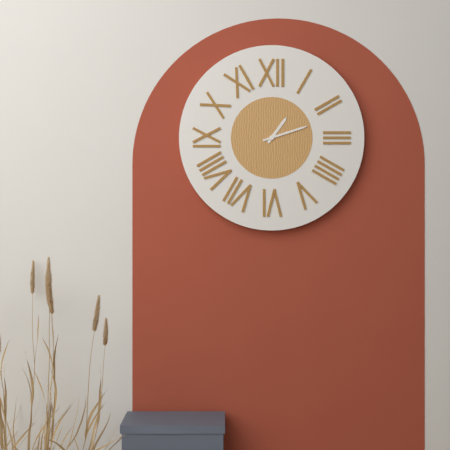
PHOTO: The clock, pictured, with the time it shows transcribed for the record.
1:12
